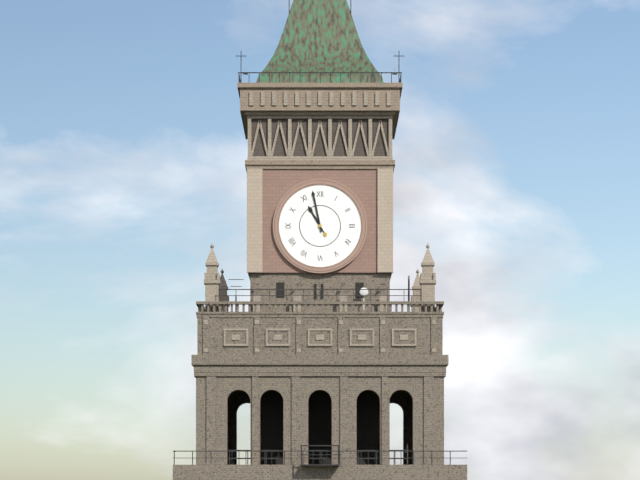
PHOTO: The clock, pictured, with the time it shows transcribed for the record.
10:58
